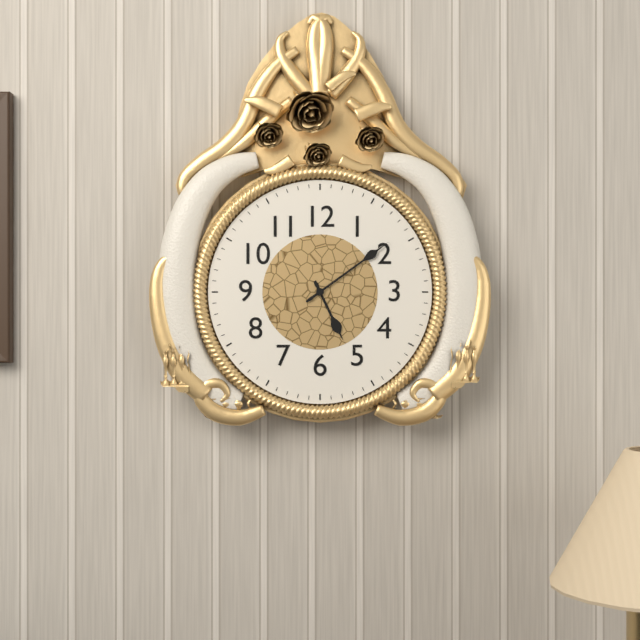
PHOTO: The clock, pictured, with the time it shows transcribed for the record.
5:09
